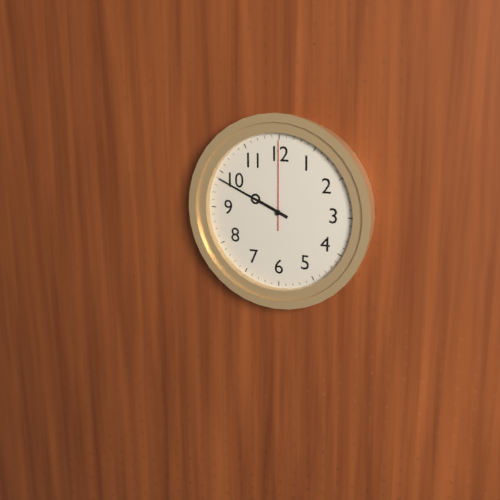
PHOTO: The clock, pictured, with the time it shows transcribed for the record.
9:49:00
